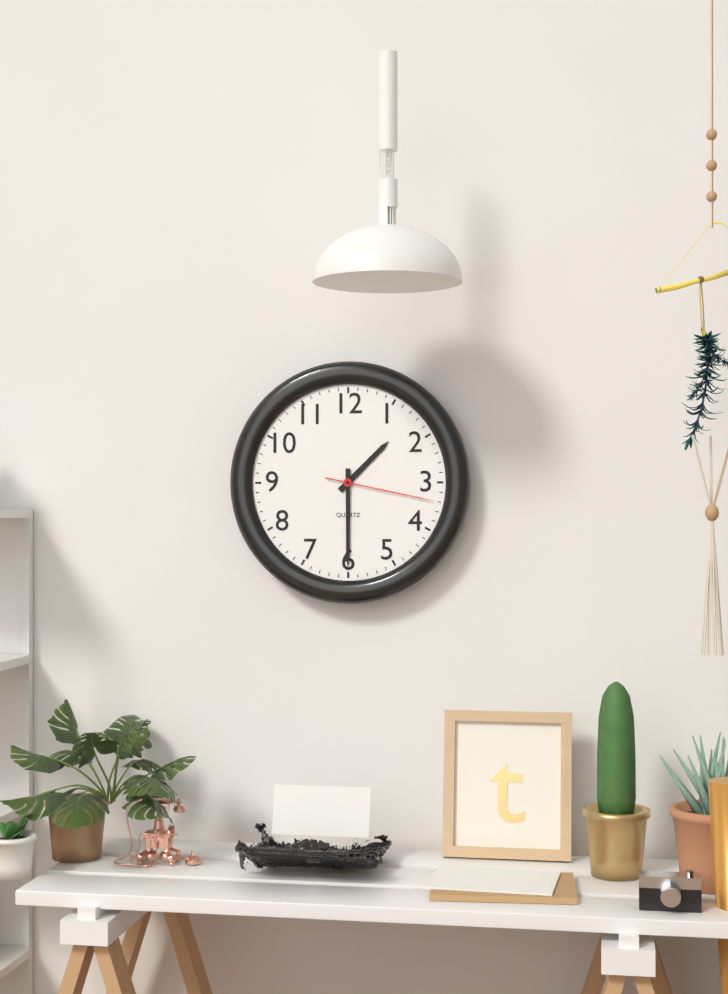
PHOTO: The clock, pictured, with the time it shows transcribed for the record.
1:30:17
